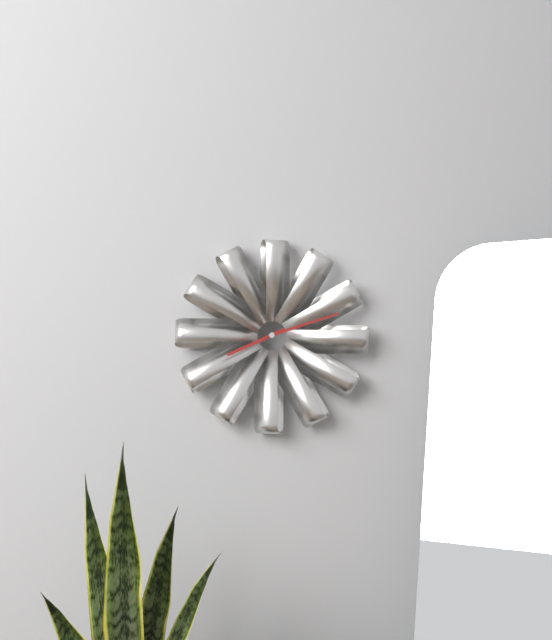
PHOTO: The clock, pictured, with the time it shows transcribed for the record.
8:12
